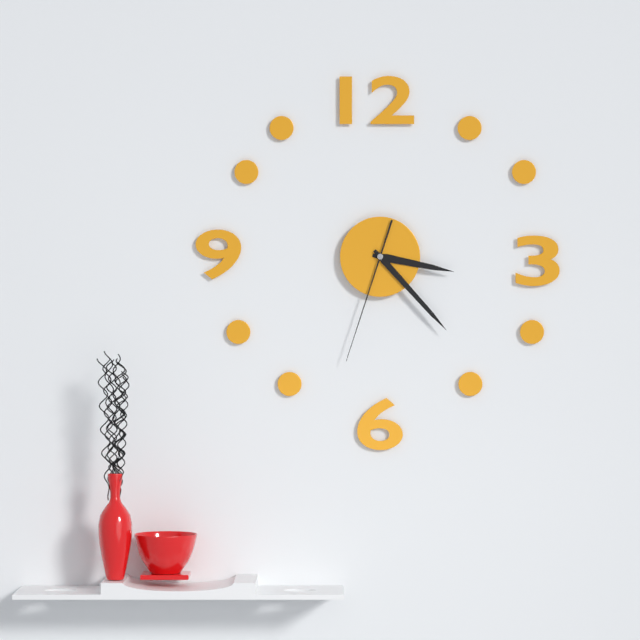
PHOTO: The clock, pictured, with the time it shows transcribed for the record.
3:23:33
